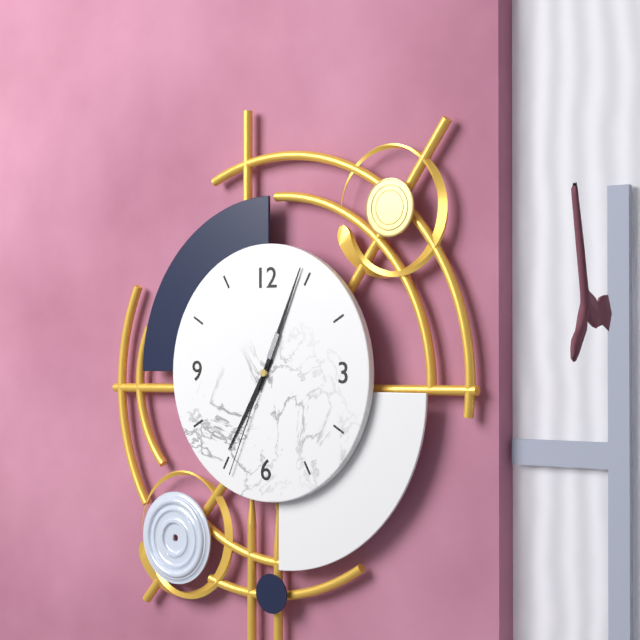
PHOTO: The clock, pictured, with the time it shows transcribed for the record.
7:04:34
